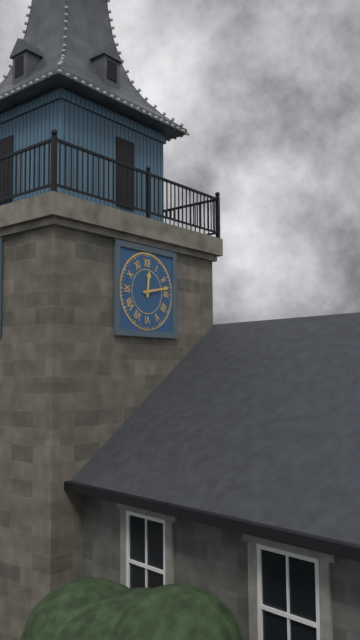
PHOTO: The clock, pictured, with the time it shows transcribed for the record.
12:13
